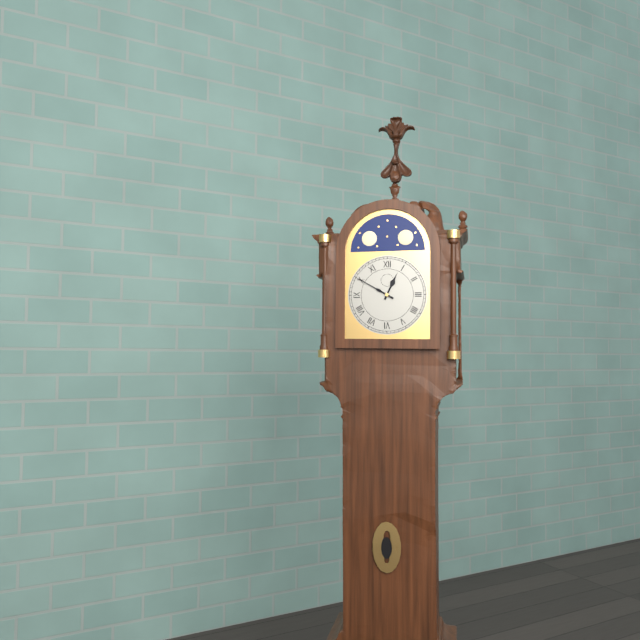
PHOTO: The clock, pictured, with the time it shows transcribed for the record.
12:50
